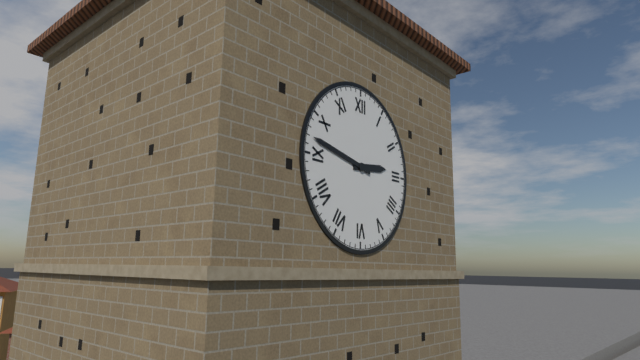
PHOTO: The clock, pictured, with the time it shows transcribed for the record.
2:47
